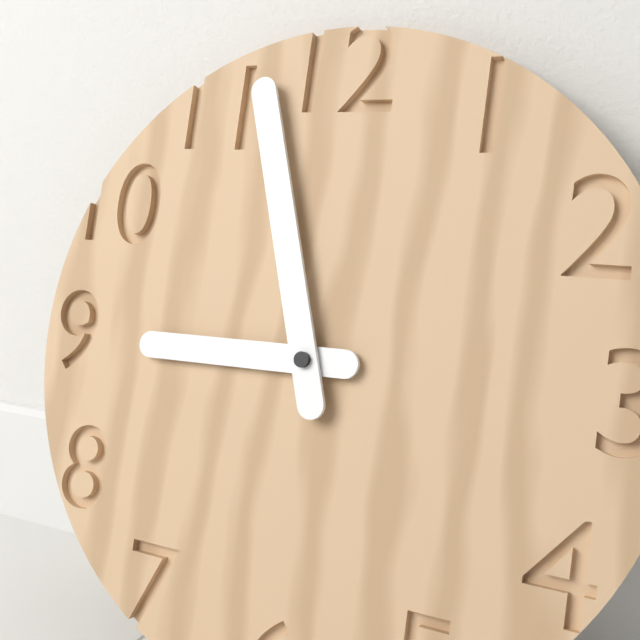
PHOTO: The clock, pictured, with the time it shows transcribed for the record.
8:57
